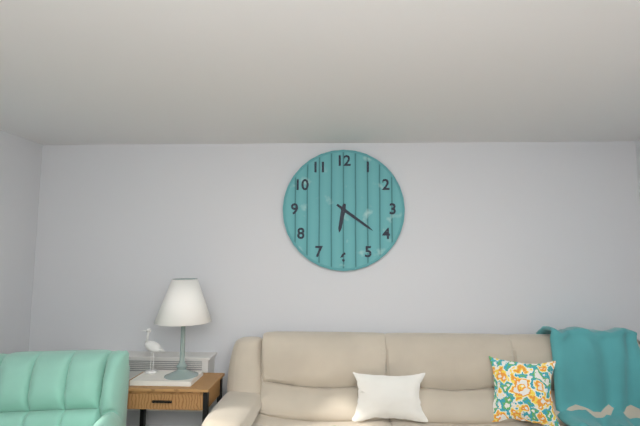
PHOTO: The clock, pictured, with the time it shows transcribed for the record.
6:21
